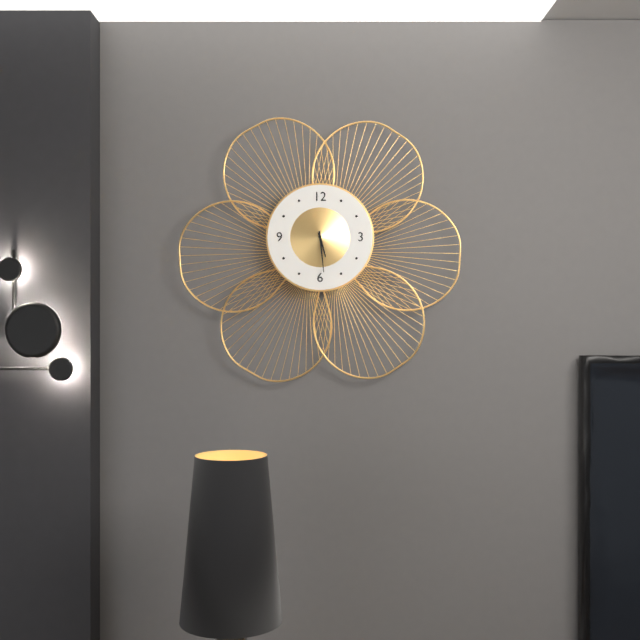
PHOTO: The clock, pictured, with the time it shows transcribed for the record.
5:29
